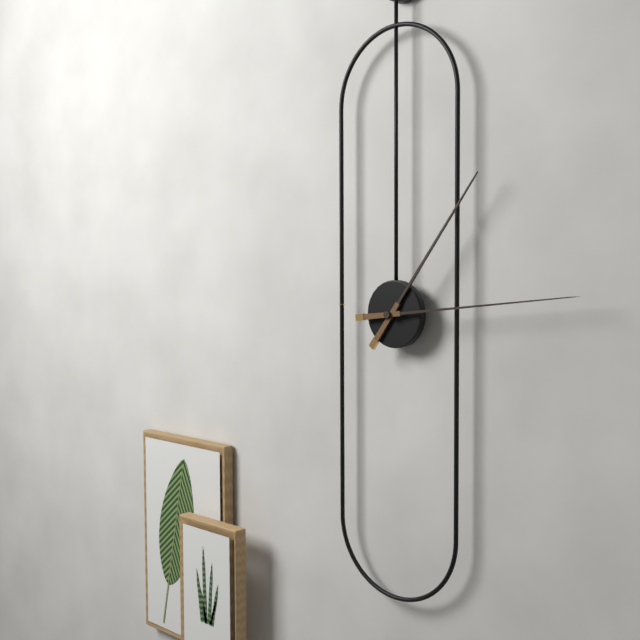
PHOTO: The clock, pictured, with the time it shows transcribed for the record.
1:14
